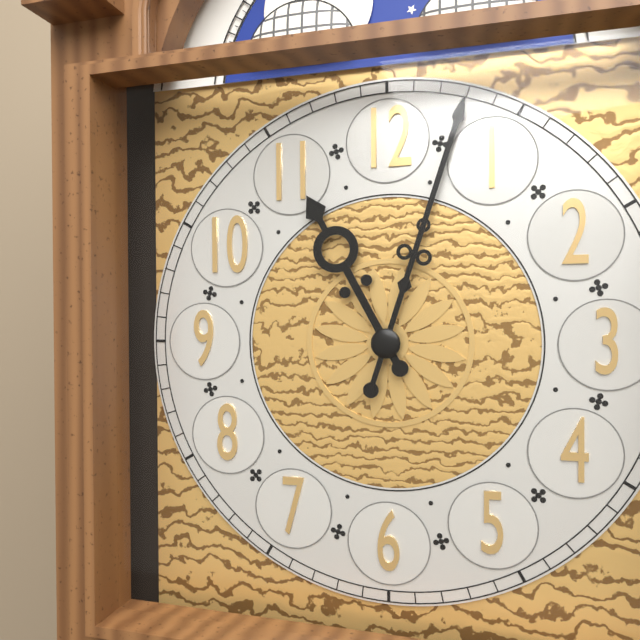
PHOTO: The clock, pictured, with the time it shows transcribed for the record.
11:03
